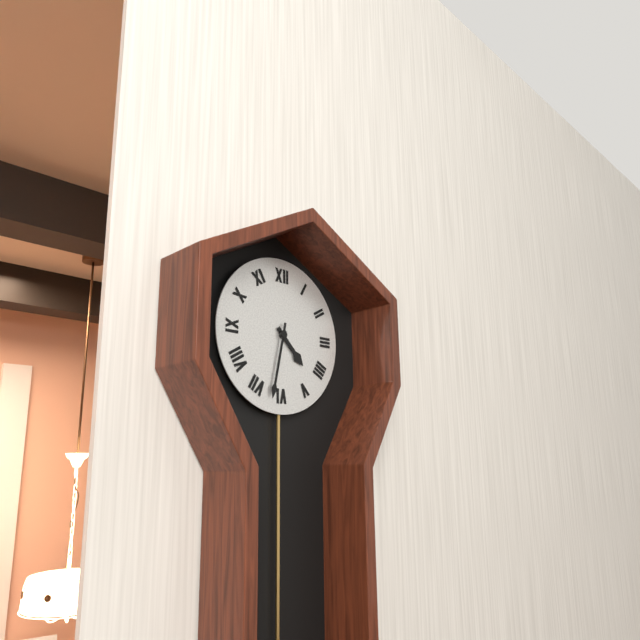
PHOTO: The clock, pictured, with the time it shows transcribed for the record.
4:32
